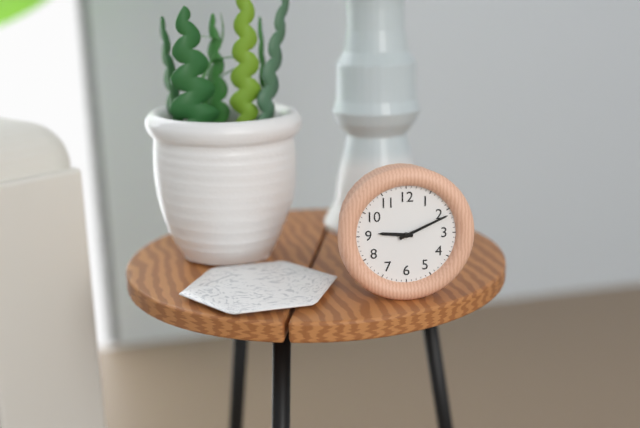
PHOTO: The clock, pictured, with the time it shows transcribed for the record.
9:11
